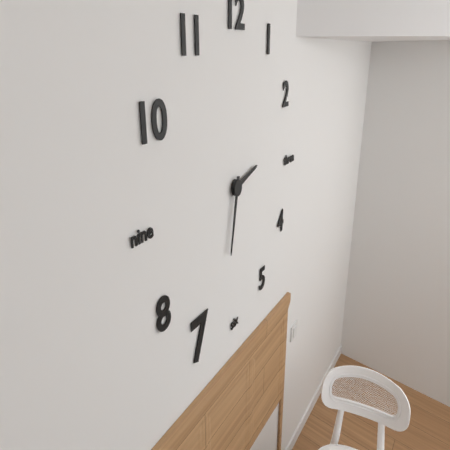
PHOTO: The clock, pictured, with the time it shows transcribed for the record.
2:32
